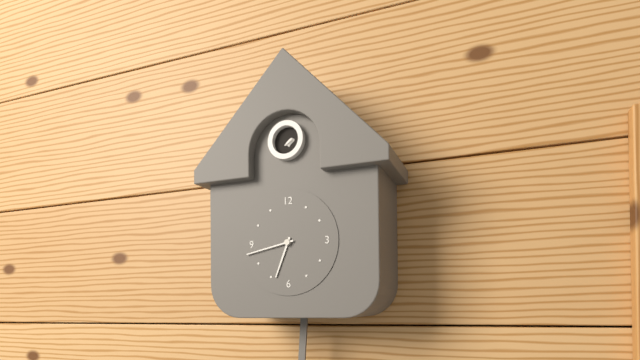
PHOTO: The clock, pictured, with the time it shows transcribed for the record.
6:43
